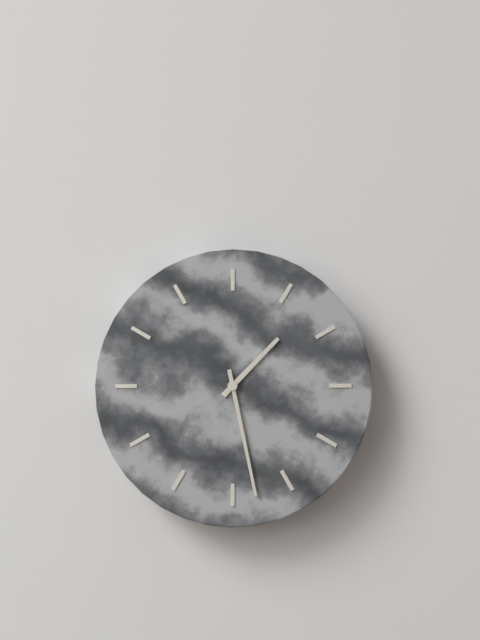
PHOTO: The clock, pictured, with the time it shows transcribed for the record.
1:28
